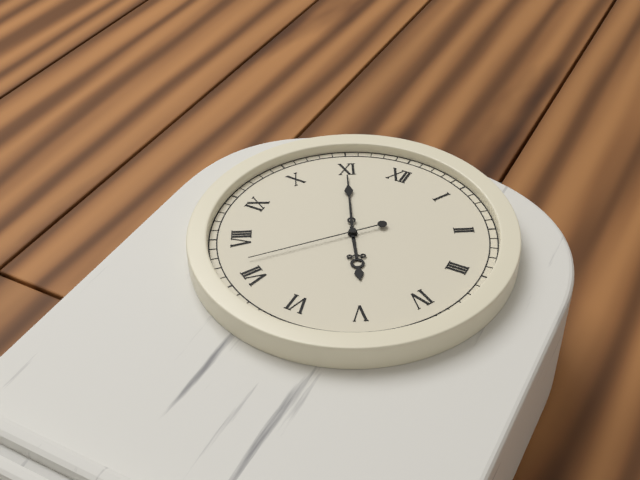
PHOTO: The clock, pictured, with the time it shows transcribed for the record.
4:55:37
